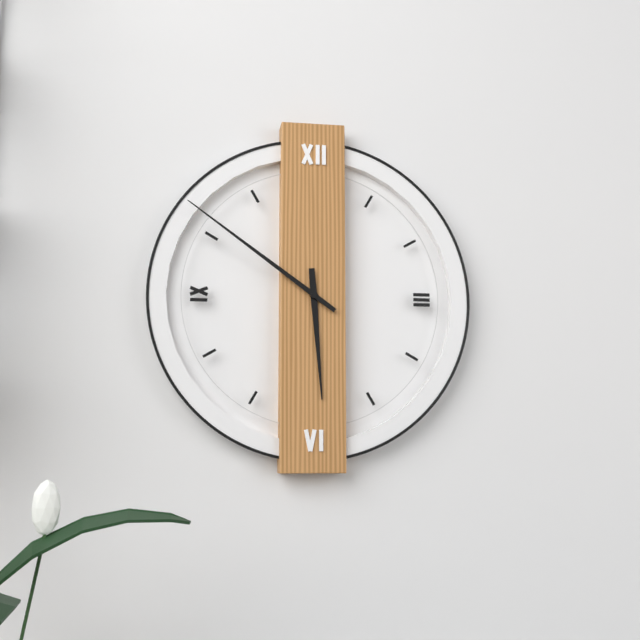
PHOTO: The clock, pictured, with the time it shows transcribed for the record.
5:51
